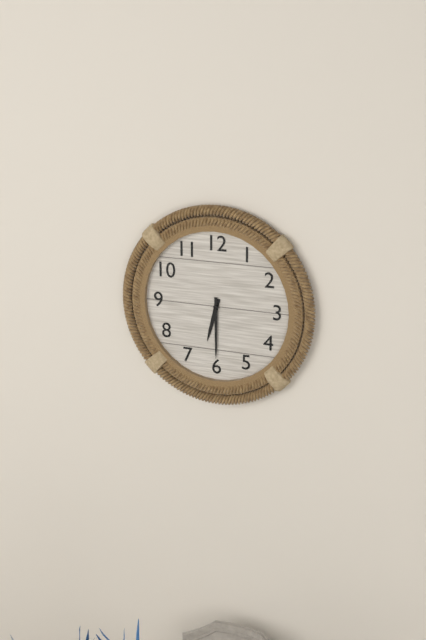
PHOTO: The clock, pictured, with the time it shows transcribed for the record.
6:30
